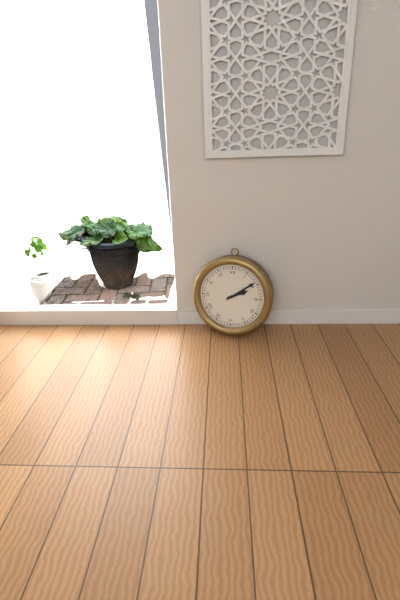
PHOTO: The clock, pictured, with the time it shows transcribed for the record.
2:09
